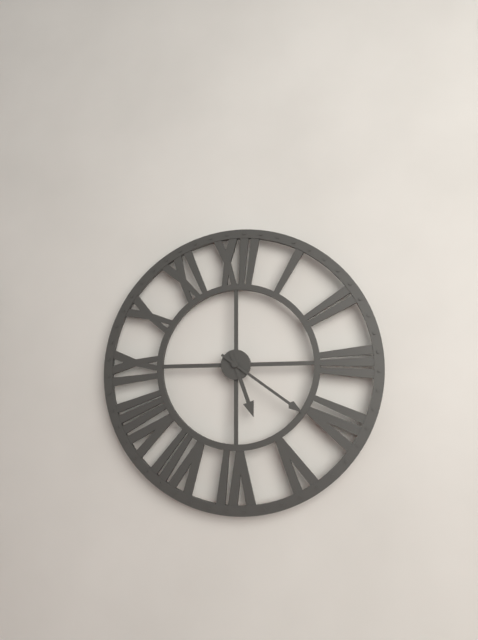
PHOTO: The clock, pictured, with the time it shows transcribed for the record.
5:21
